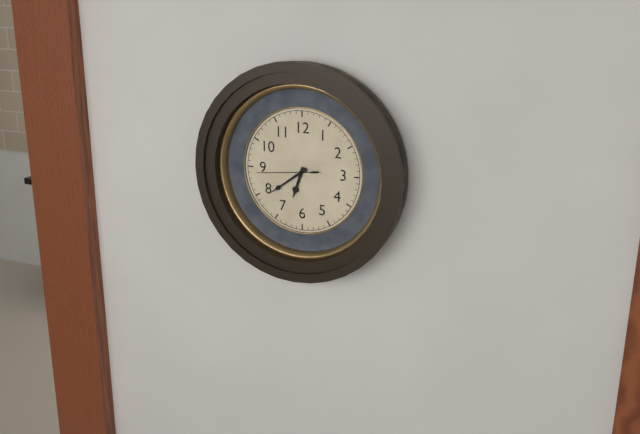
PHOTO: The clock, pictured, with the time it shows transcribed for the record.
6:39:44
